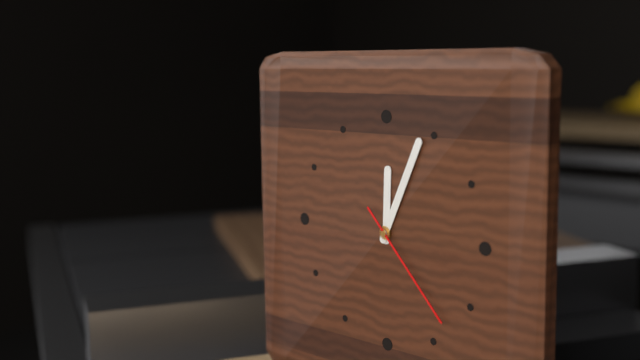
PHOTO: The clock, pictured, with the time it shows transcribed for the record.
12:04:23
